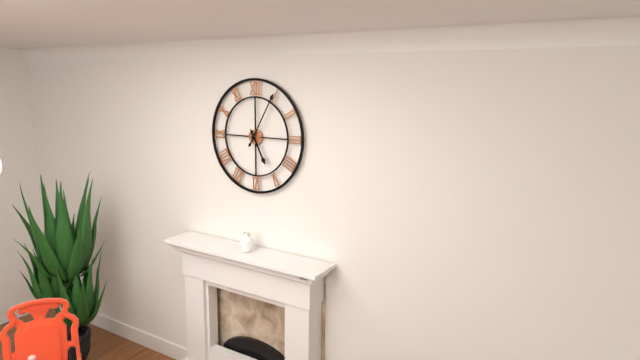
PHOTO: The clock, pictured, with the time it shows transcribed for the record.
5:05
